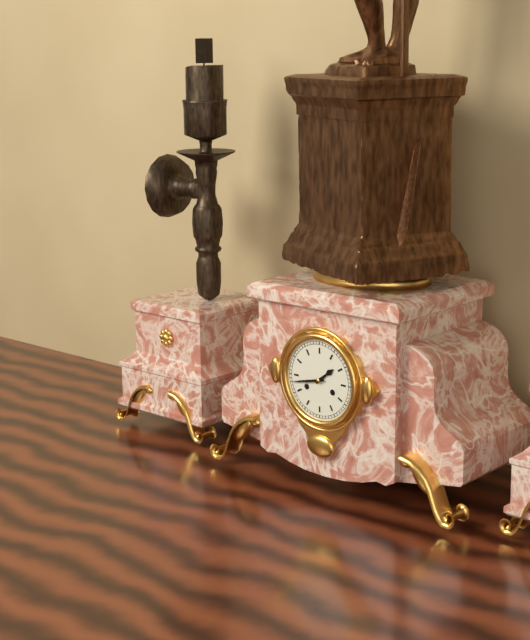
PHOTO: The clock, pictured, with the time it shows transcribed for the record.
1:43
